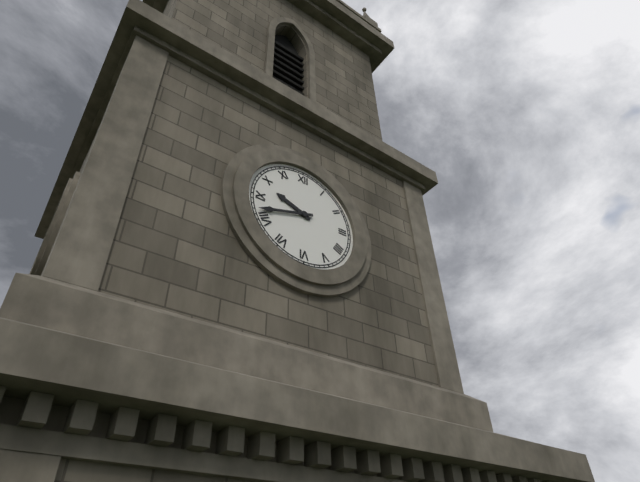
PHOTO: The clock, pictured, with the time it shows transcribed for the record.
9:42
